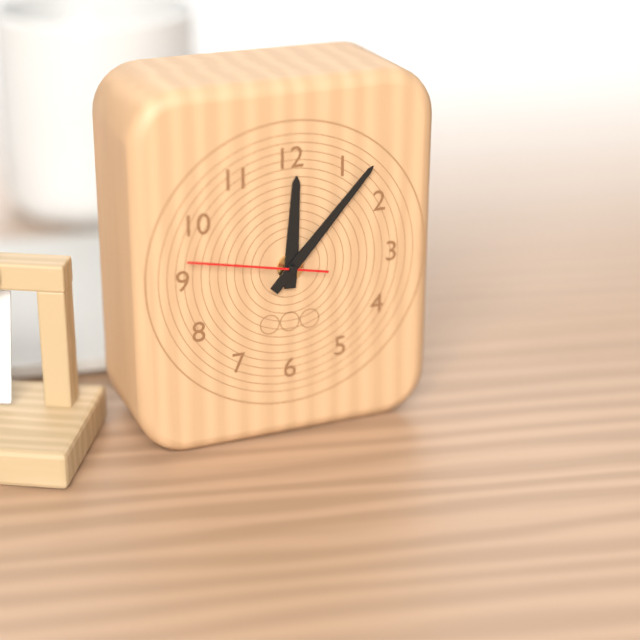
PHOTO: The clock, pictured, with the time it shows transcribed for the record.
12:07:47
